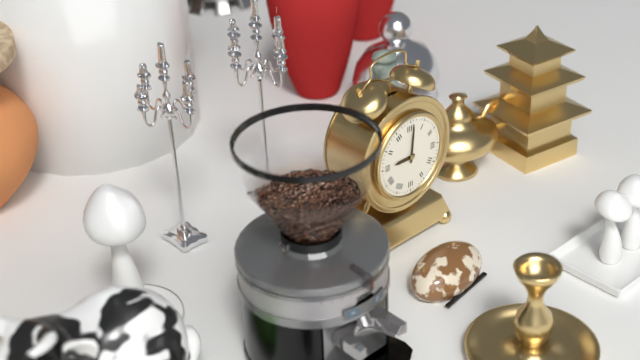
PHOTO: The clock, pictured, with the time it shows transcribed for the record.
9:01
